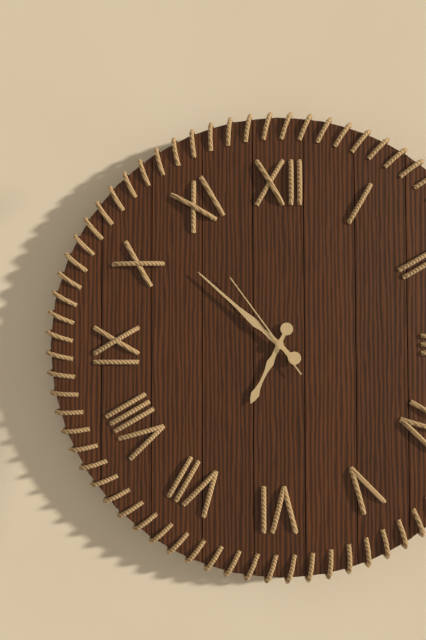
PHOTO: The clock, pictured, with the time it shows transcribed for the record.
6:52:54
